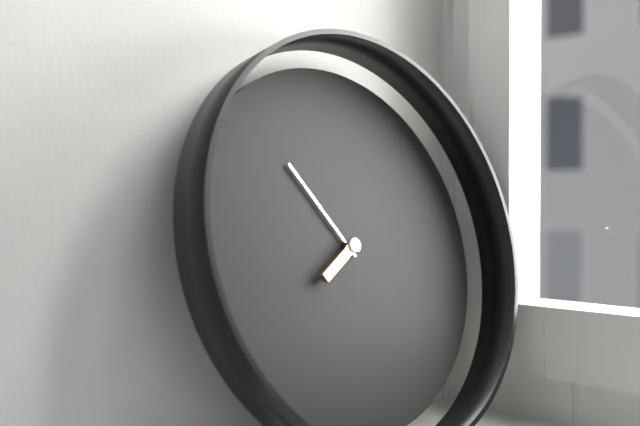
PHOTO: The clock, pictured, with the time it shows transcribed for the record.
7:54
